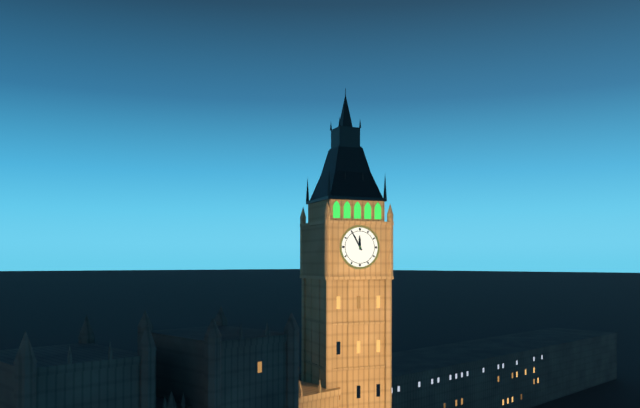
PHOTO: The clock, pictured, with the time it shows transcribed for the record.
11:55
